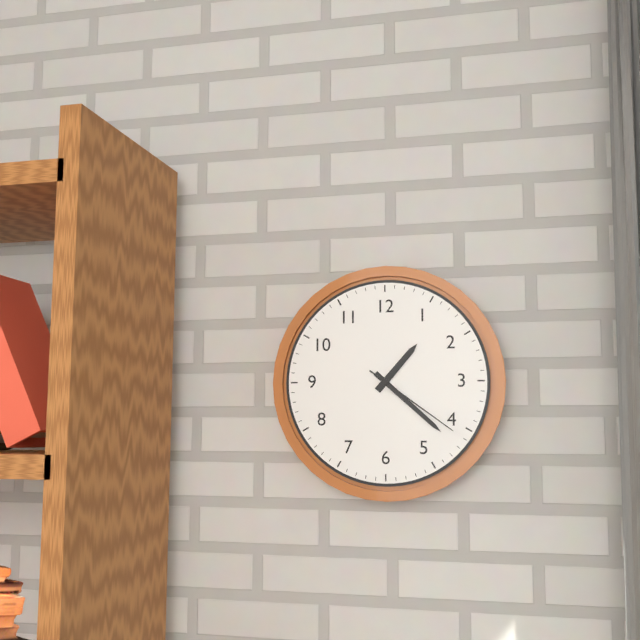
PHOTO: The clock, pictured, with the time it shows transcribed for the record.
1:22:21
